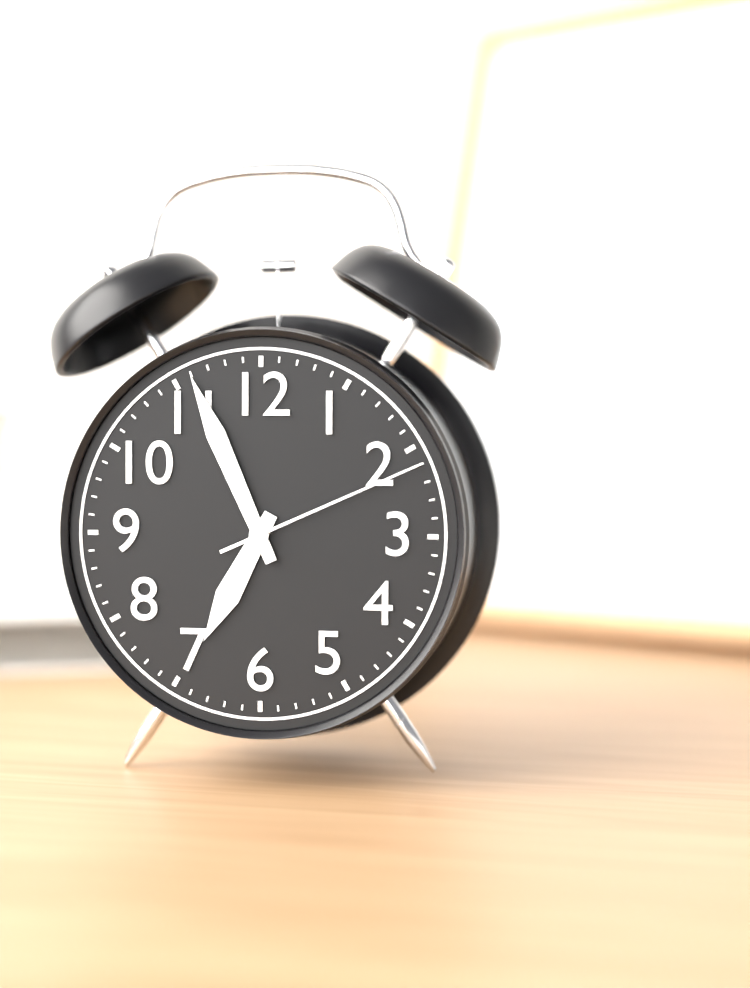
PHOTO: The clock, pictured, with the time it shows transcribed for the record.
6:56:11
